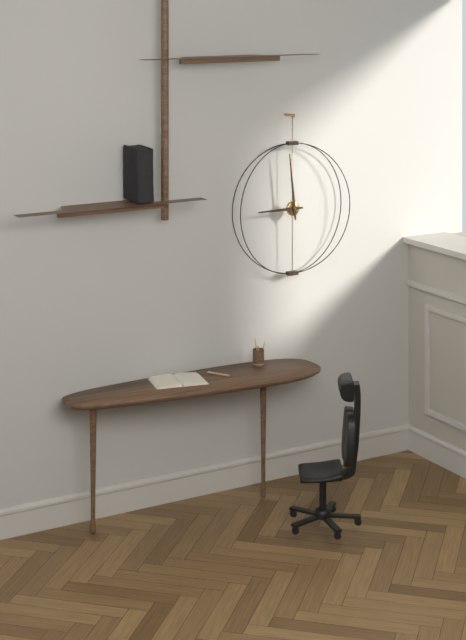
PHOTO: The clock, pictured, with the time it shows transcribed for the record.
8:59
